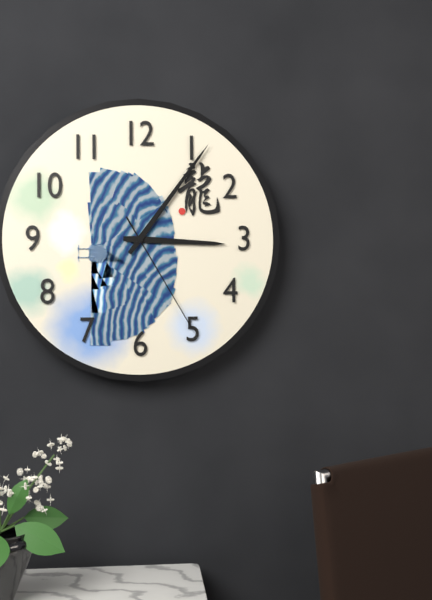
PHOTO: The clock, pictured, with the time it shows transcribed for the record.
3:06:25
